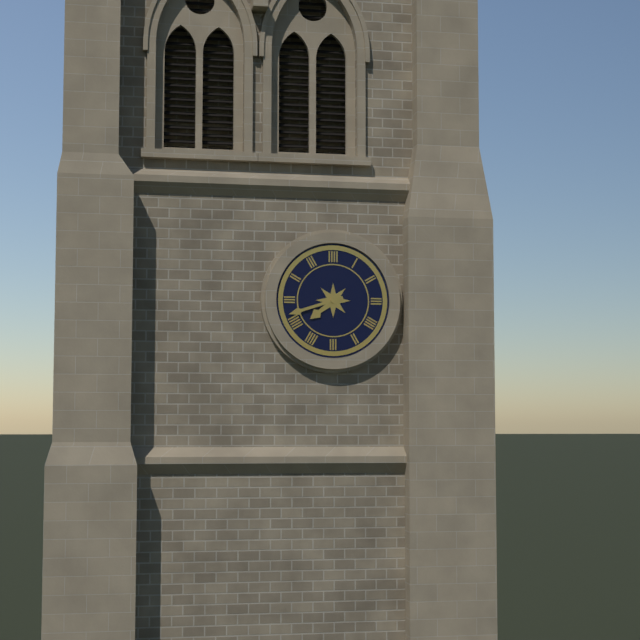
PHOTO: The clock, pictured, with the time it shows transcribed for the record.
7:42
